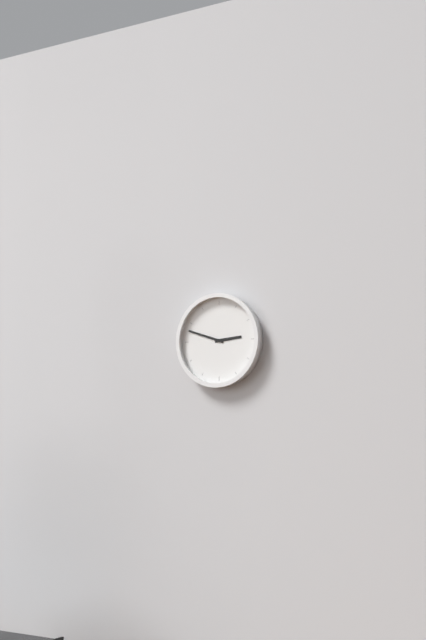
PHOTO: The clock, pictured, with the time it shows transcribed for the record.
2:48
